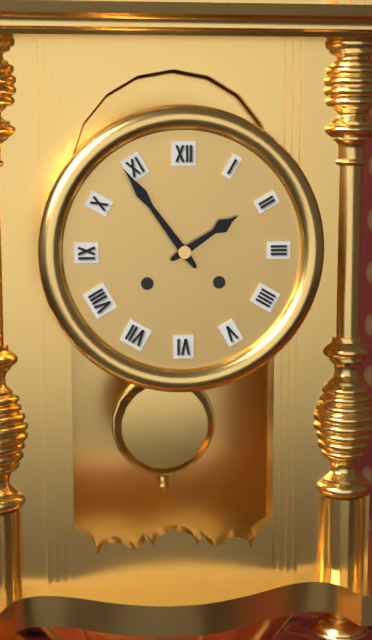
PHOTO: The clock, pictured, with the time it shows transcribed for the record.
1:54
